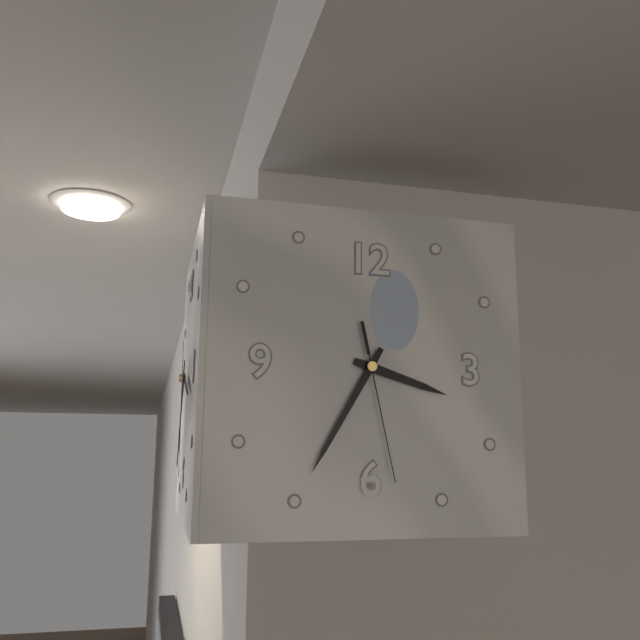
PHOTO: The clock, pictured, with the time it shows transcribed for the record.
3:35:28
